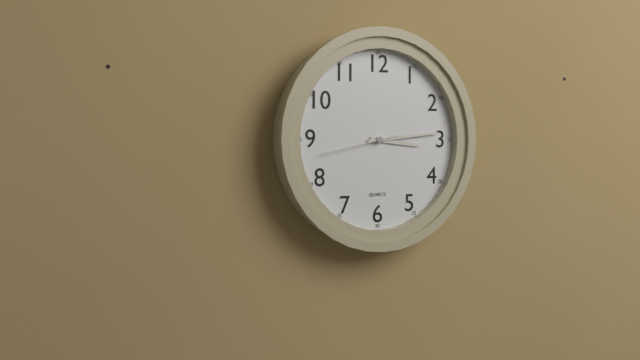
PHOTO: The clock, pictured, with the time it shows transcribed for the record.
3:14:43
